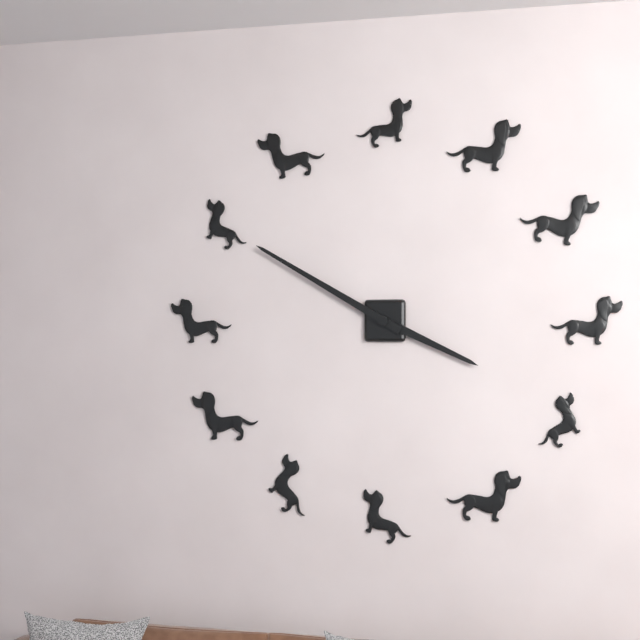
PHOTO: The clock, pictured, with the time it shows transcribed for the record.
3:50
